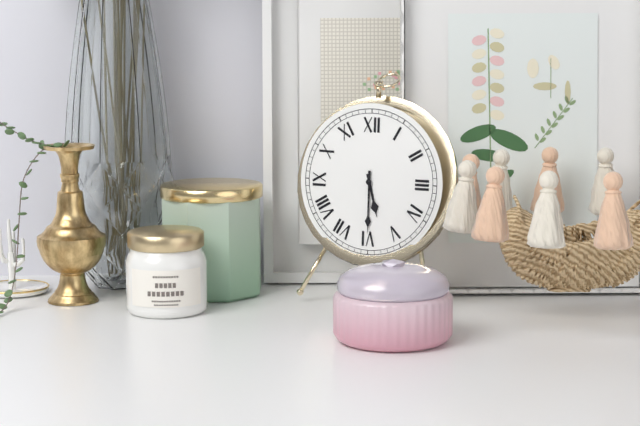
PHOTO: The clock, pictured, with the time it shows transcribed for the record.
5:30
